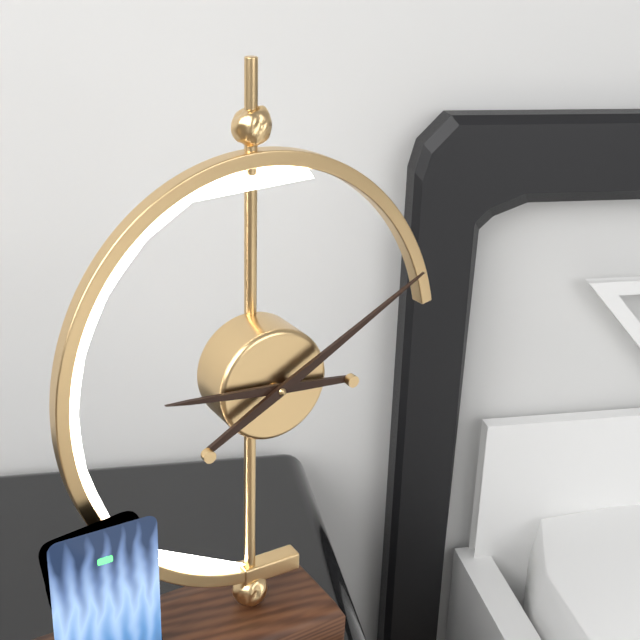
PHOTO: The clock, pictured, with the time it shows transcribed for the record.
9:10
